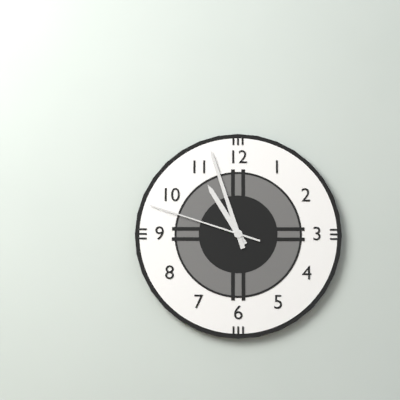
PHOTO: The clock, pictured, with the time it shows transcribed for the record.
10:57:48
